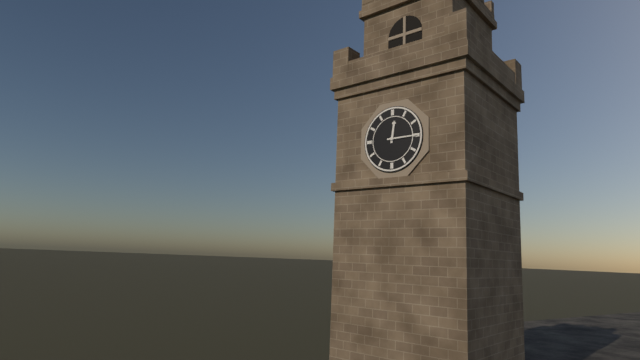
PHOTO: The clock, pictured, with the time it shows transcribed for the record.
12:15
